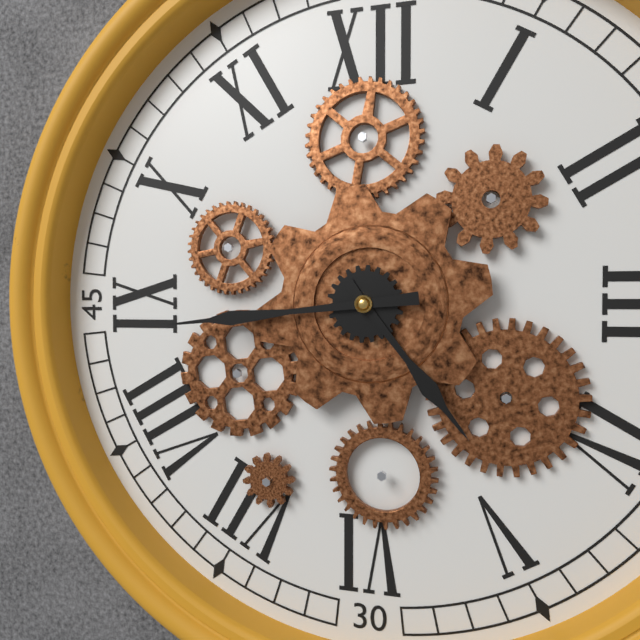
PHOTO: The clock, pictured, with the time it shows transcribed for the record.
4:44
